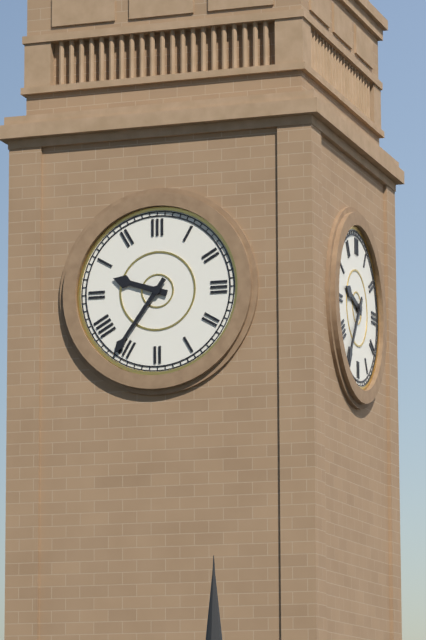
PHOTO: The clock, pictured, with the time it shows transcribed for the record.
9:36
